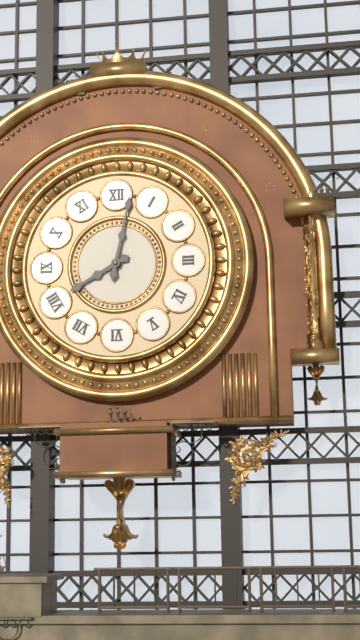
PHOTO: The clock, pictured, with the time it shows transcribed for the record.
8:02
